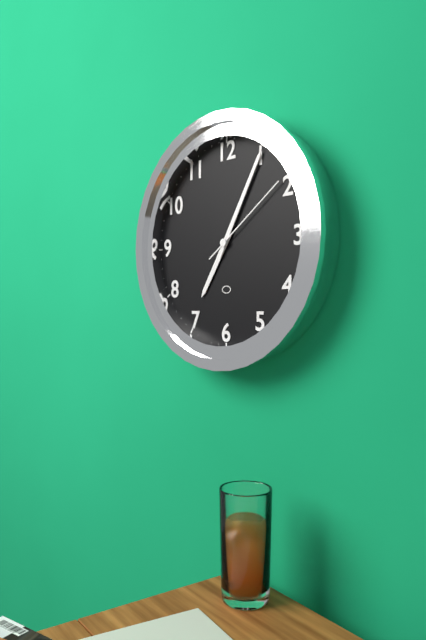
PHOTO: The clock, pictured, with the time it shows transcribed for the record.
7:05:09
